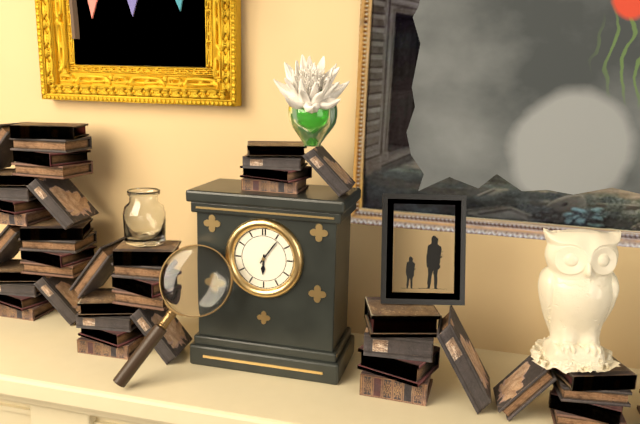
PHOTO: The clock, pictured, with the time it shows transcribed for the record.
6:06
